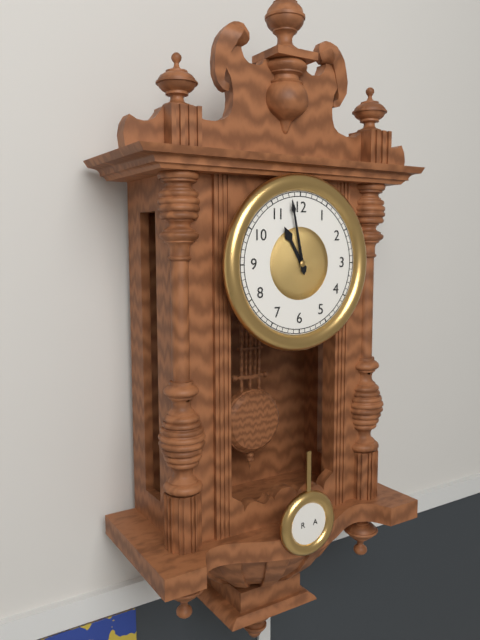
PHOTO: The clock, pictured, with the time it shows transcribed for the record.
10:58
